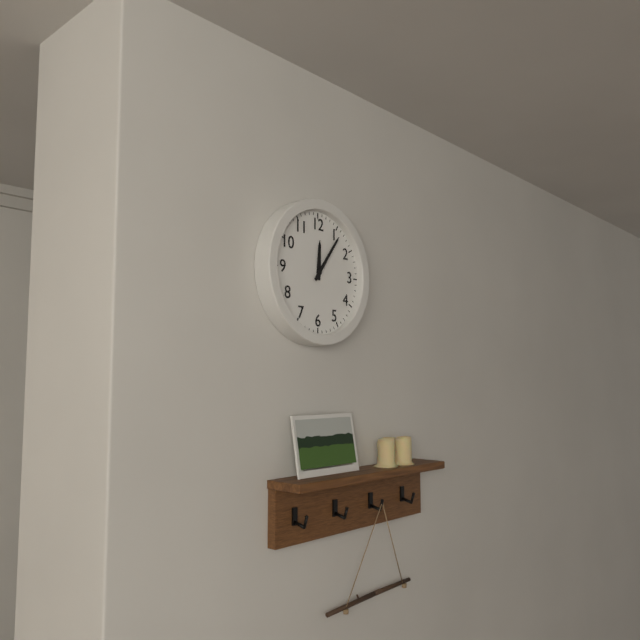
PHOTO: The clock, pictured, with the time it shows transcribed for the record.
12:06
